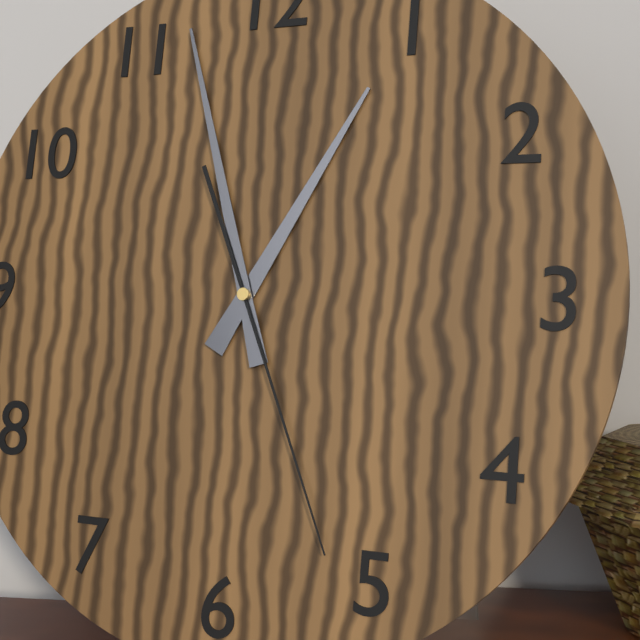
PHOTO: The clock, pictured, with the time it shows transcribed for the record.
12:57:26
